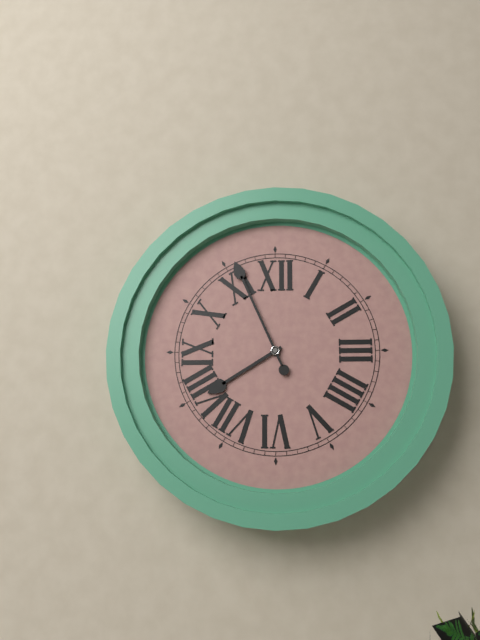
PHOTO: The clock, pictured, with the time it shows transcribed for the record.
7:56
